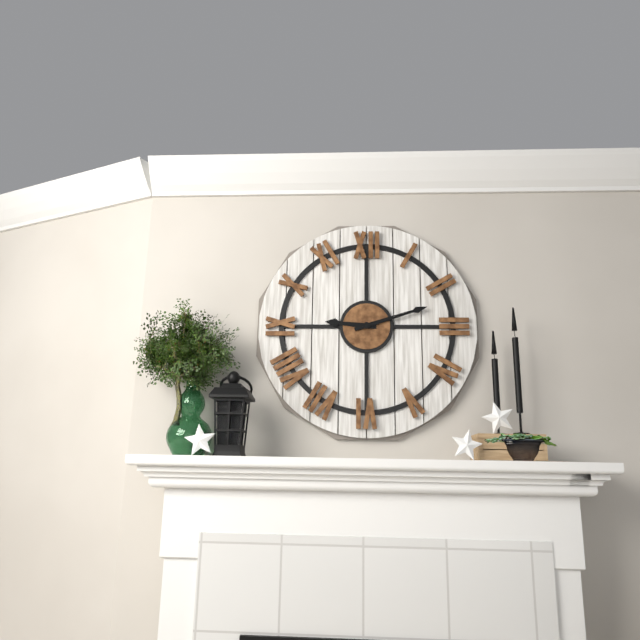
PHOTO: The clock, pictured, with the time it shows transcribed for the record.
9:12
